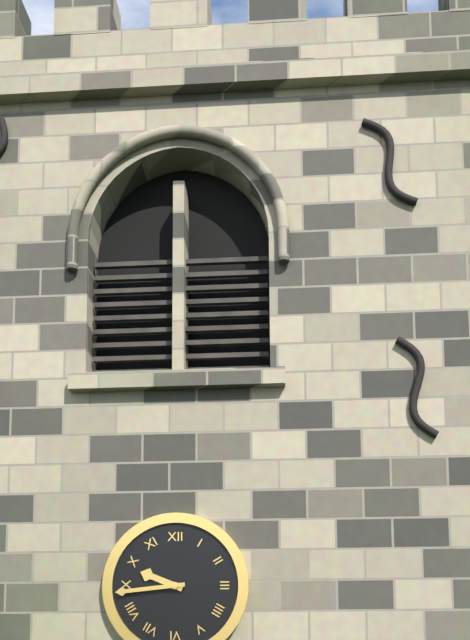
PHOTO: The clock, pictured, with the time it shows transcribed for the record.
9:44
